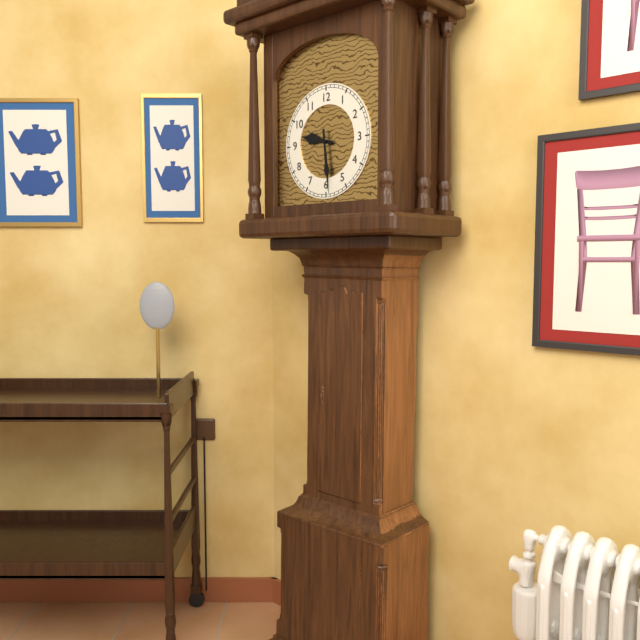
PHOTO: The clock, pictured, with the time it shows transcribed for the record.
9:29
